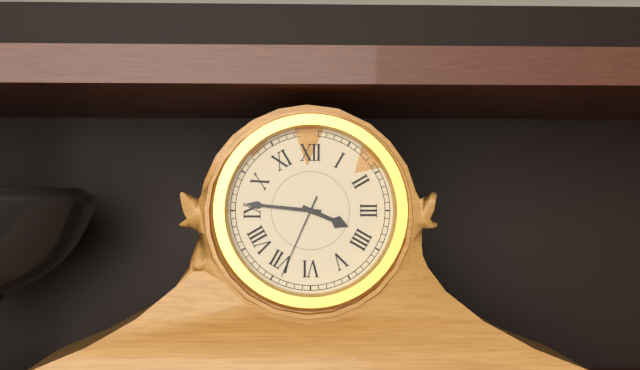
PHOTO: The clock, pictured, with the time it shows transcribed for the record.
3:46:34
